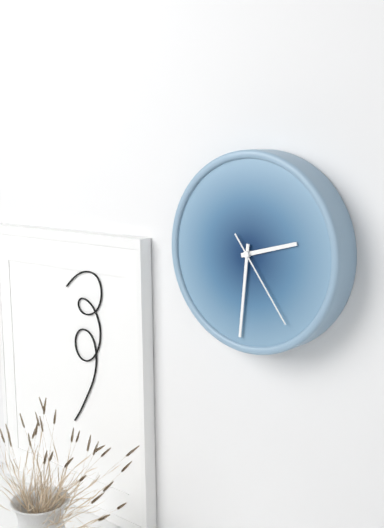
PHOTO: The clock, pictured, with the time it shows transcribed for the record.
2:31:24
